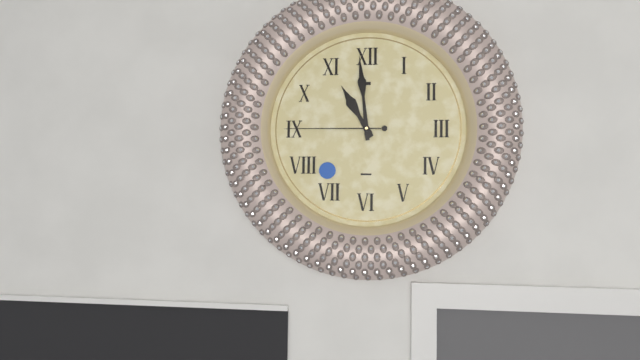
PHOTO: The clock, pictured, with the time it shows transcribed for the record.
10:59:45
